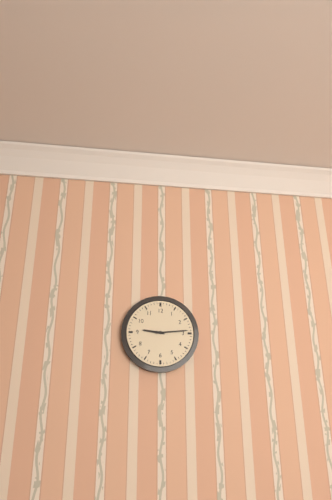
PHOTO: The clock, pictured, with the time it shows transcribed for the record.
9:14
